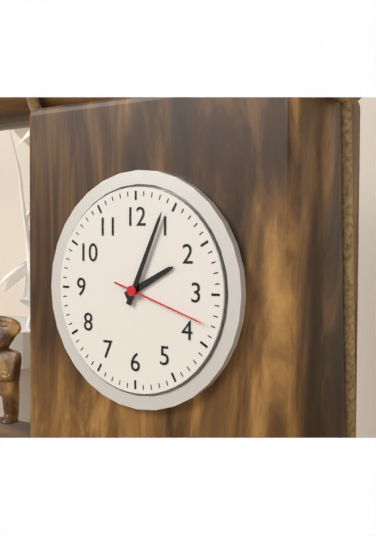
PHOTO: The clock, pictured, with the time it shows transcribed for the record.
2:04:18
